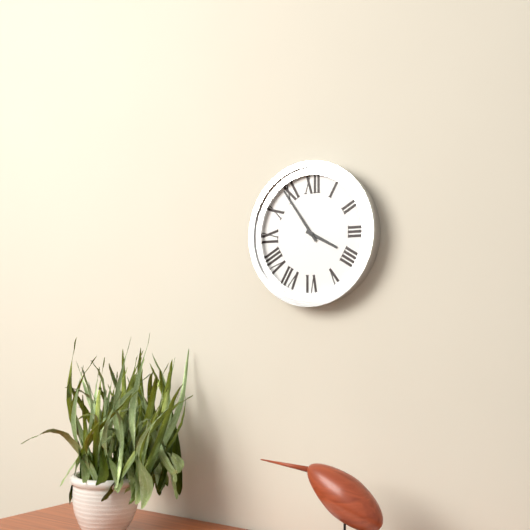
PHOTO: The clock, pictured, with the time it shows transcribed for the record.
3:54
